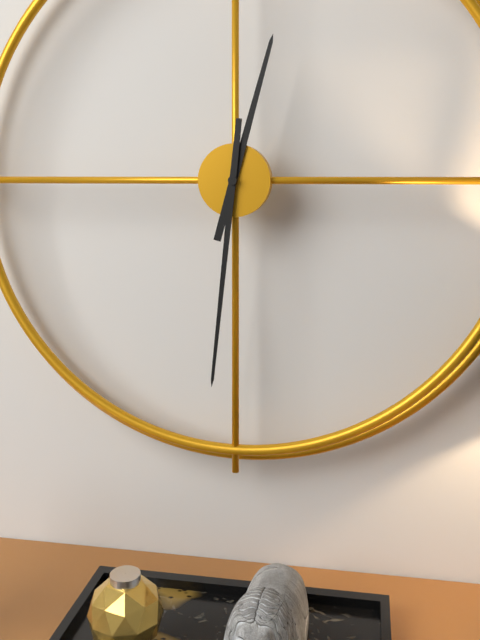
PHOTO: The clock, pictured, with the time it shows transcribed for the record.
12:31
